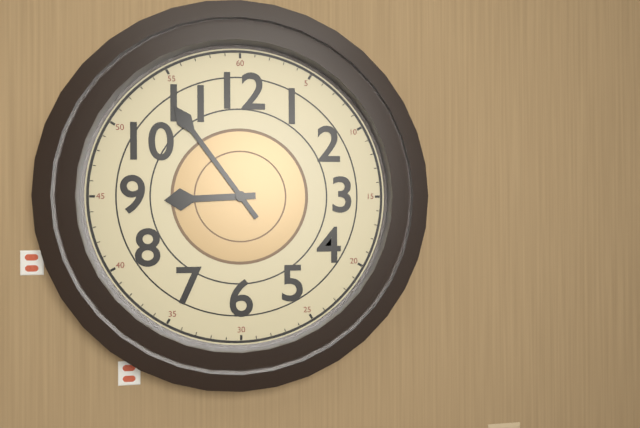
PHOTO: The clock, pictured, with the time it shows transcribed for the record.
8:54
